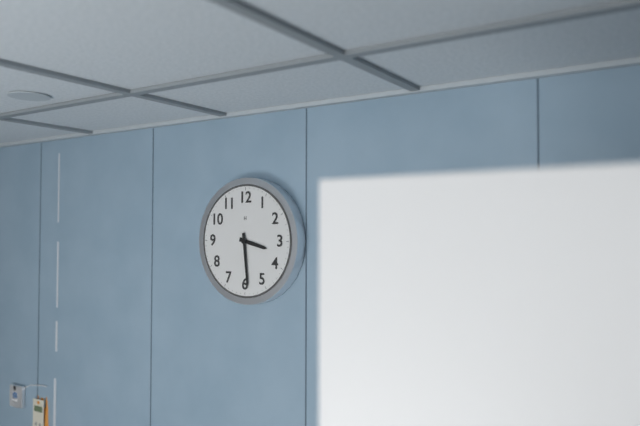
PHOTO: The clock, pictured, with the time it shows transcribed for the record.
3:29
